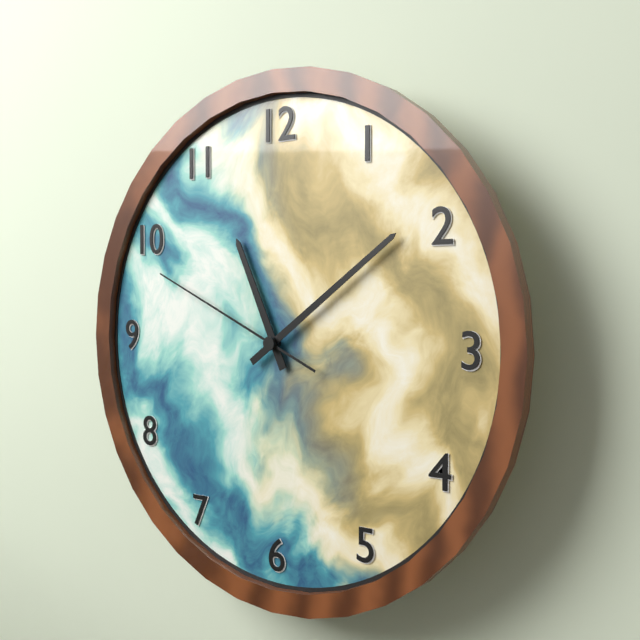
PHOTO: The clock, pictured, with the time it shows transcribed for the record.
11:09:49
